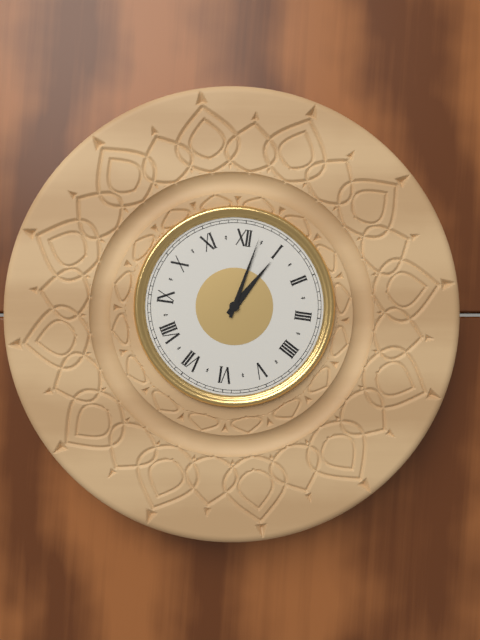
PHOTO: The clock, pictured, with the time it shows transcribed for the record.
1:02
